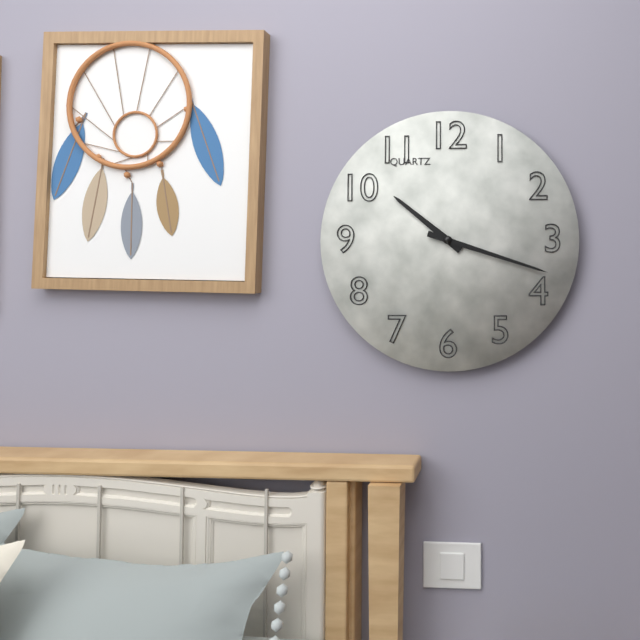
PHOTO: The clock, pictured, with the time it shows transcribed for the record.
10:18
